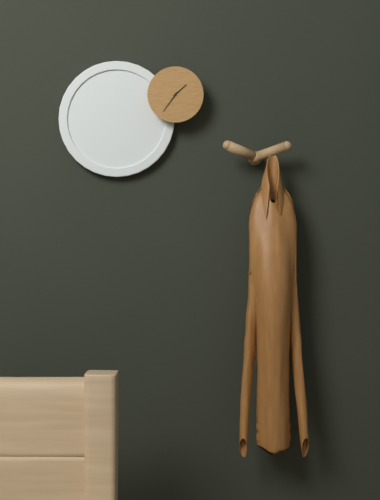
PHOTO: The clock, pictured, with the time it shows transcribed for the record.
1:36
